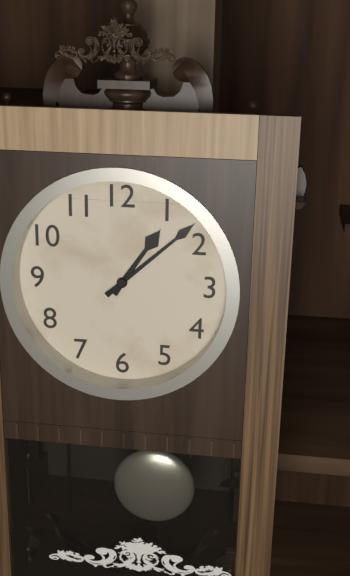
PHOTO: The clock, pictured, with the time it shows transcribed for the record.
1:08
